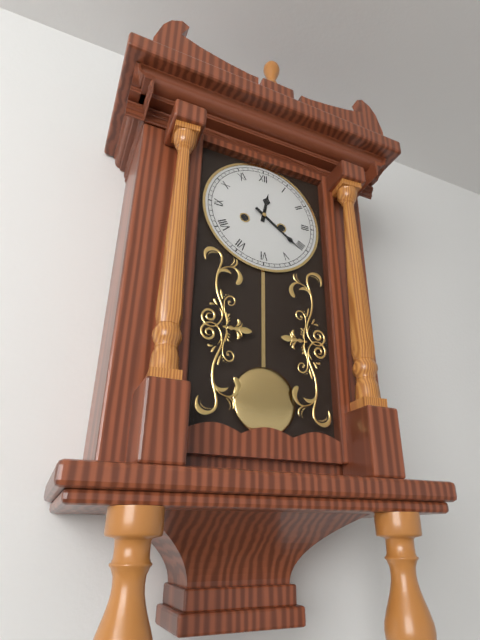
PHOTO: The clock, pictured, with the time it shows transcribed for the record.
12:21
